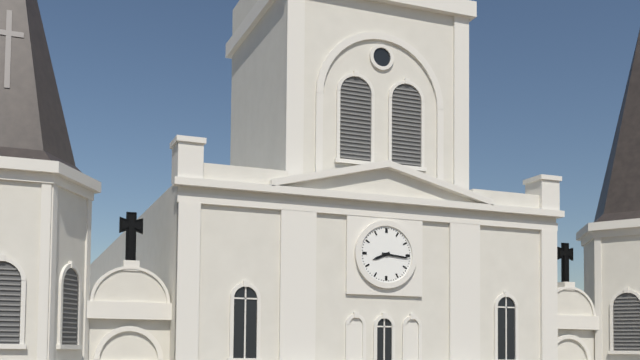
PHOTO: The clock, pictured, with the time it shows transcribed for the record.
8:16
